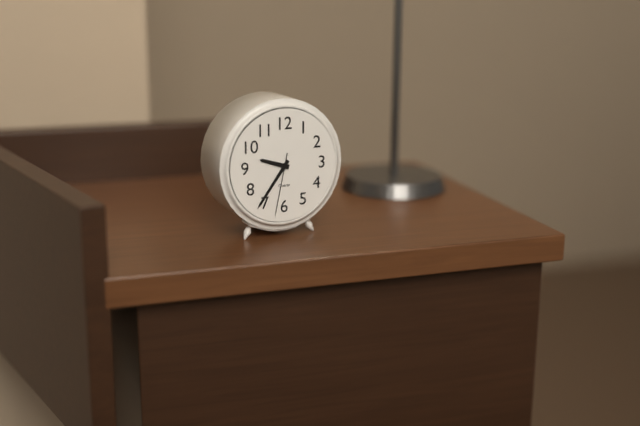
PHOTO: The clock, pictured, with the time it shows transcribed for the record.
9:36:32
